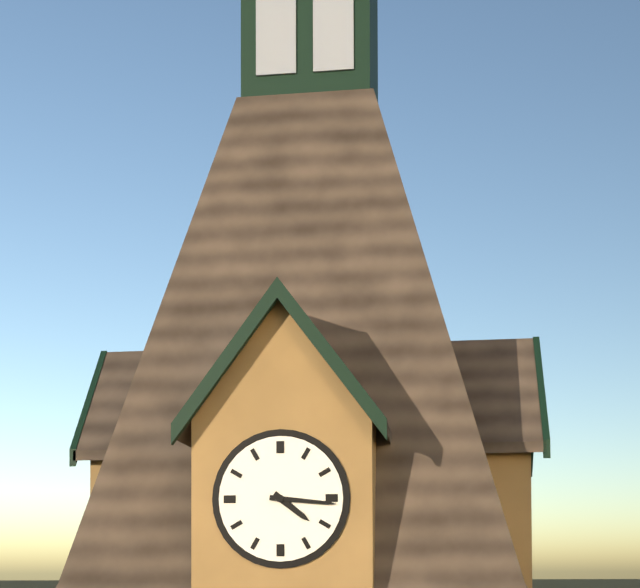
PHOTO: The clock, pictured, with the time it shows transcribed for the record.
4:16
